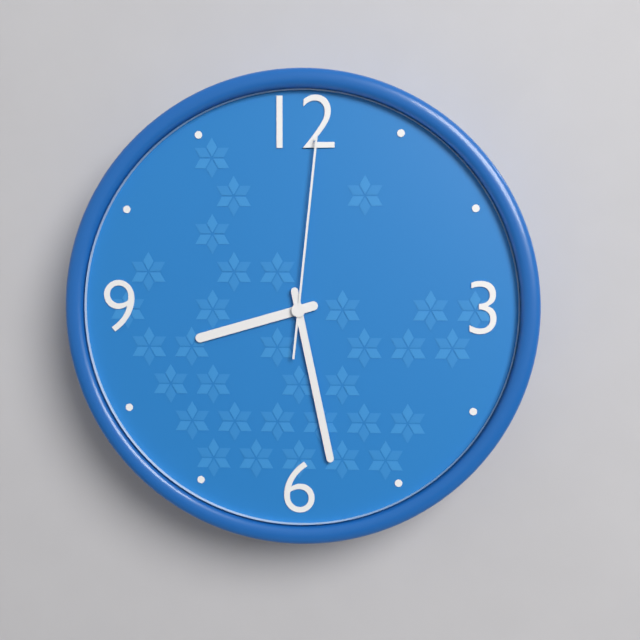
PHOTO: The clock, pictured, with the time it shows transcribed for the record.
8:28:01
